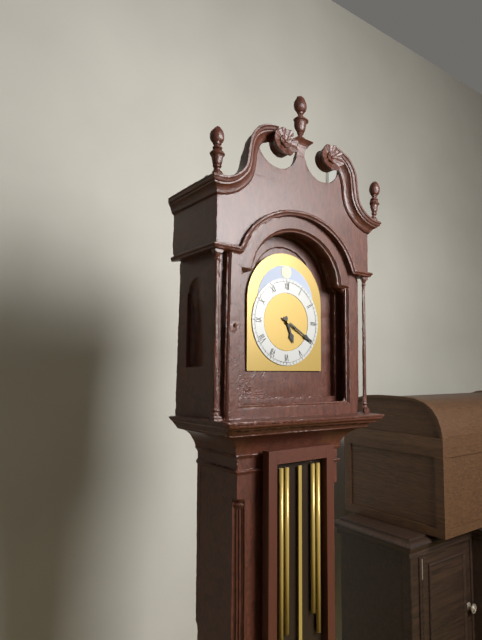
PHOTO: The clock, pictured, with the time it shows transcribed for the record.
5:20
